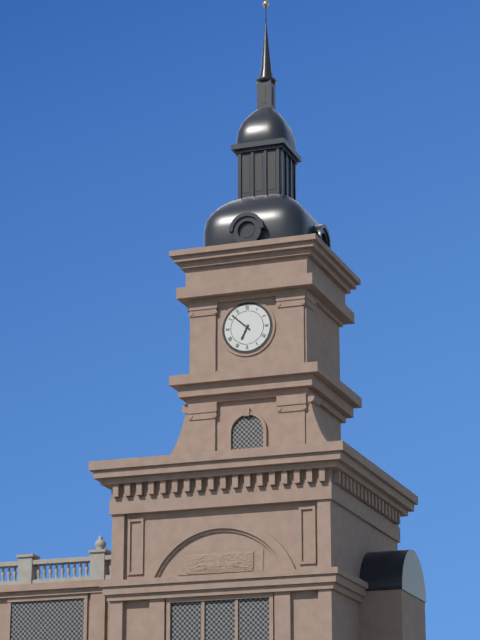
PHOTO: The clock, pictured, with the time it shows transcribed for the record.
6:52
